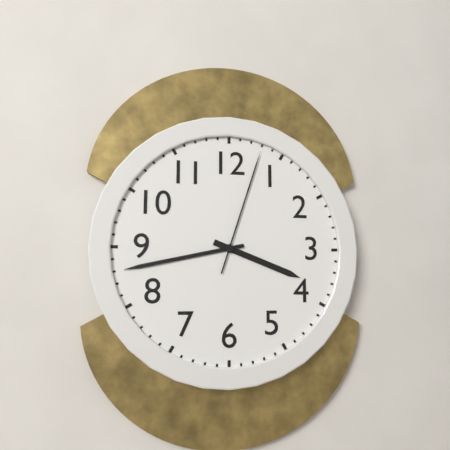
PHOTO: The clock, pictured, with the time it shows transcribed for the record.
3:43:03
